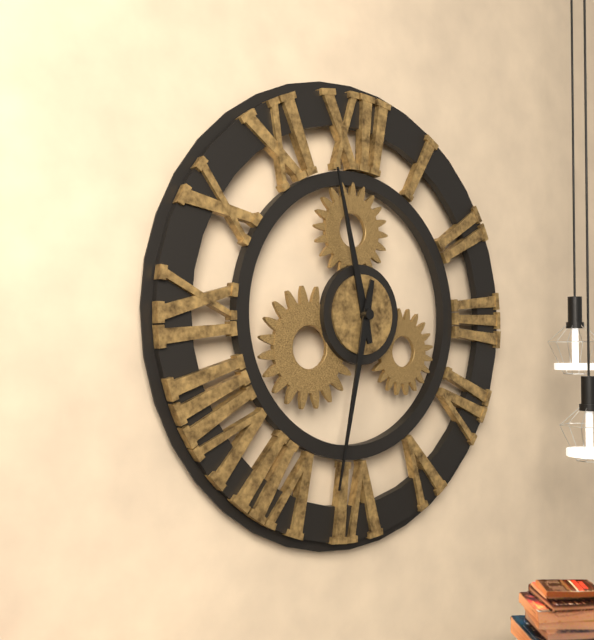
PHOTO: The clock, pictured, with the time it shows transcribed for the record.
11:32
